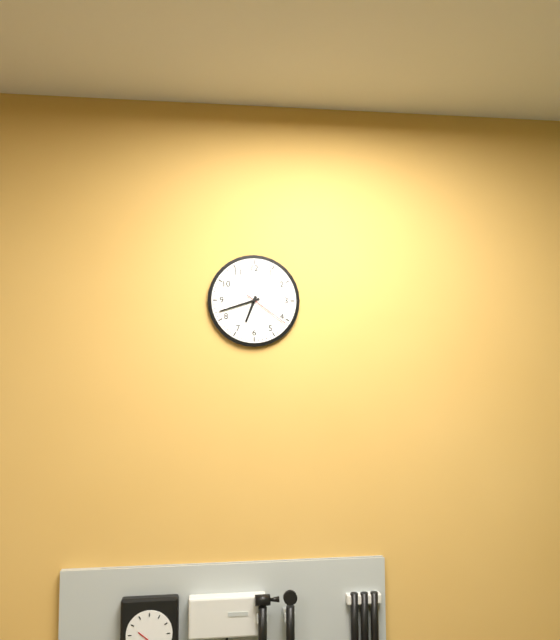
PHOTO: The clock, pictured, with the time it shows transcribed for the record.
6:42
